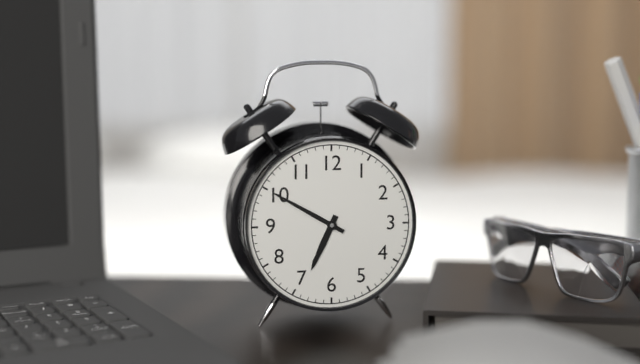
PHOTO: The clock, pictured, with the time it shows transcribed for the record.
6:50
